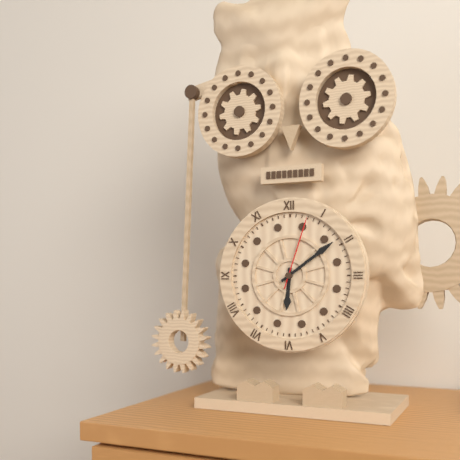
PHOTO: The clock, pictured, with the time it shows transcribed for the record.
6:09:03
